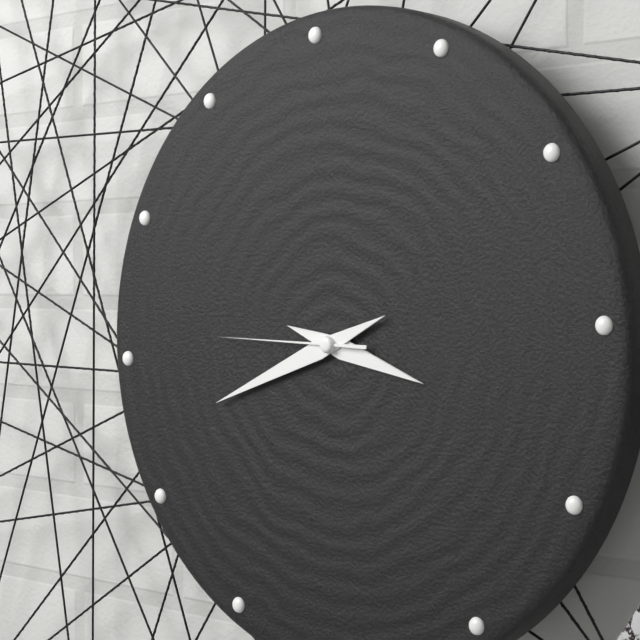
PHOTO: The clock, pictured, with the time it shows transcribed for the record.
3:42:46
